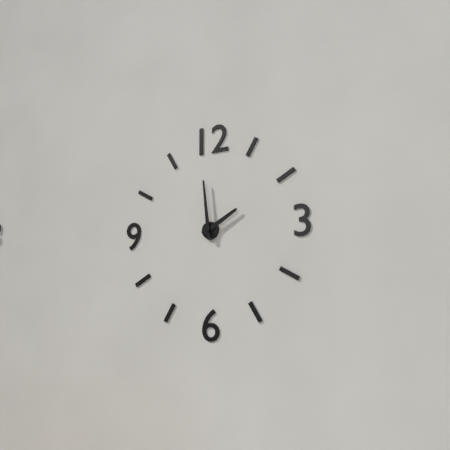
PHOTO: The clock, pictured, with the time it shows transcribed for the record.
1:59
